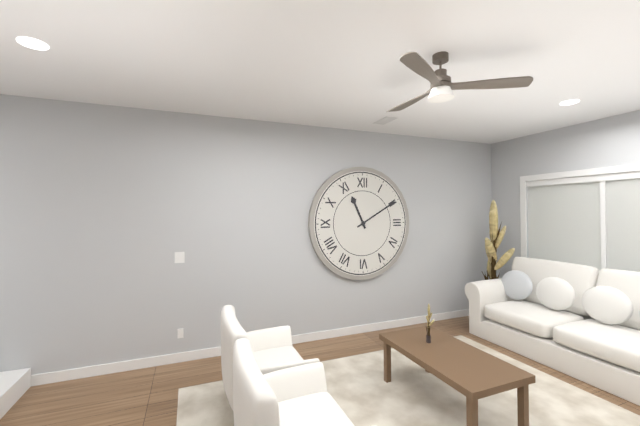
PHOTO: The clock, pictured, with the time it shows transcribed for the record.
11:10
